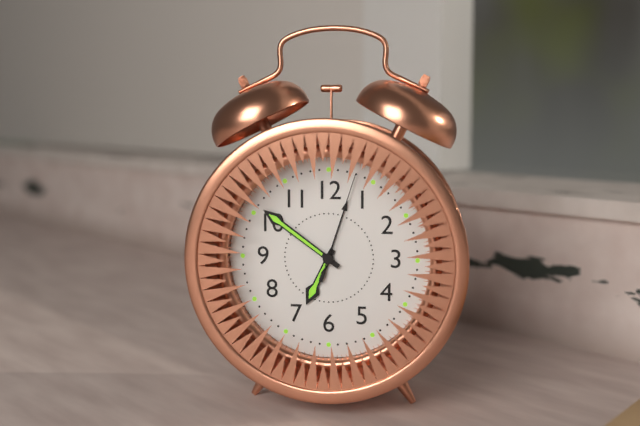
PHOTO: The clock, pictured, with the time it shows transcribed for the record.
6:51:03
